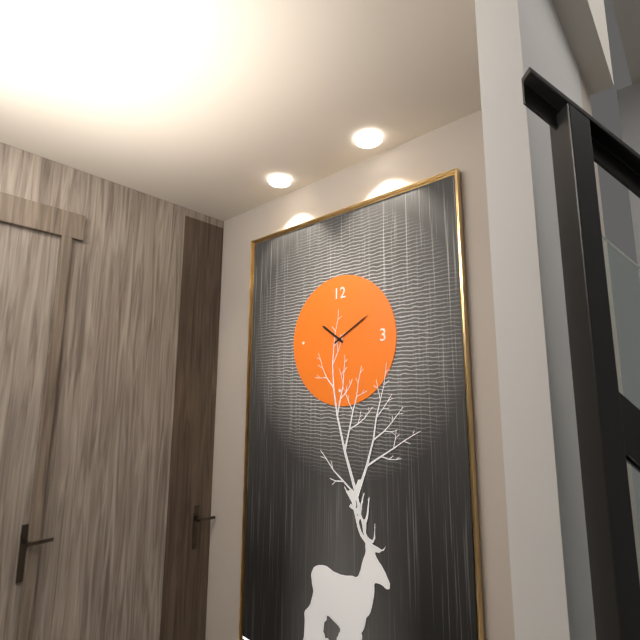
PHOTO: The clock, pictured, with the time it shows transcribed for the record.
10:10
